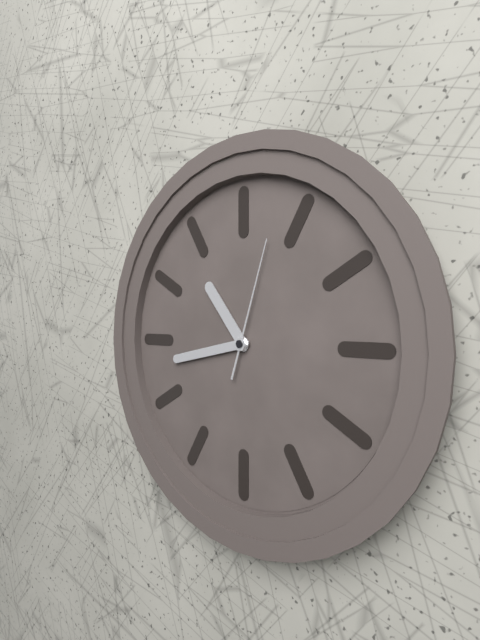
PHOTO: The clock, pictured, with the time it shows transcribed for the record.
10:43:03
